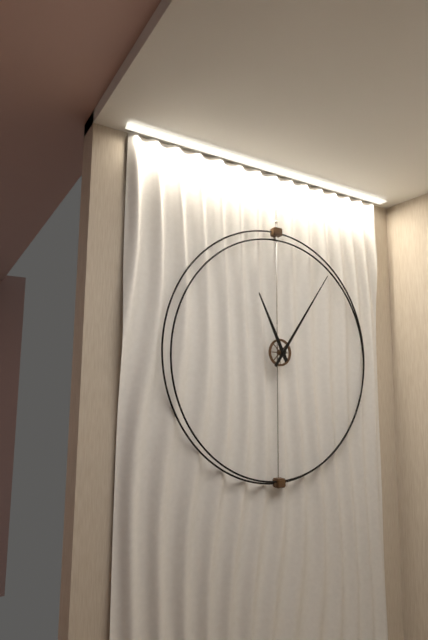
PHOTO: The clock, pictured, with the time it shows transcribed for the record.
11:06
